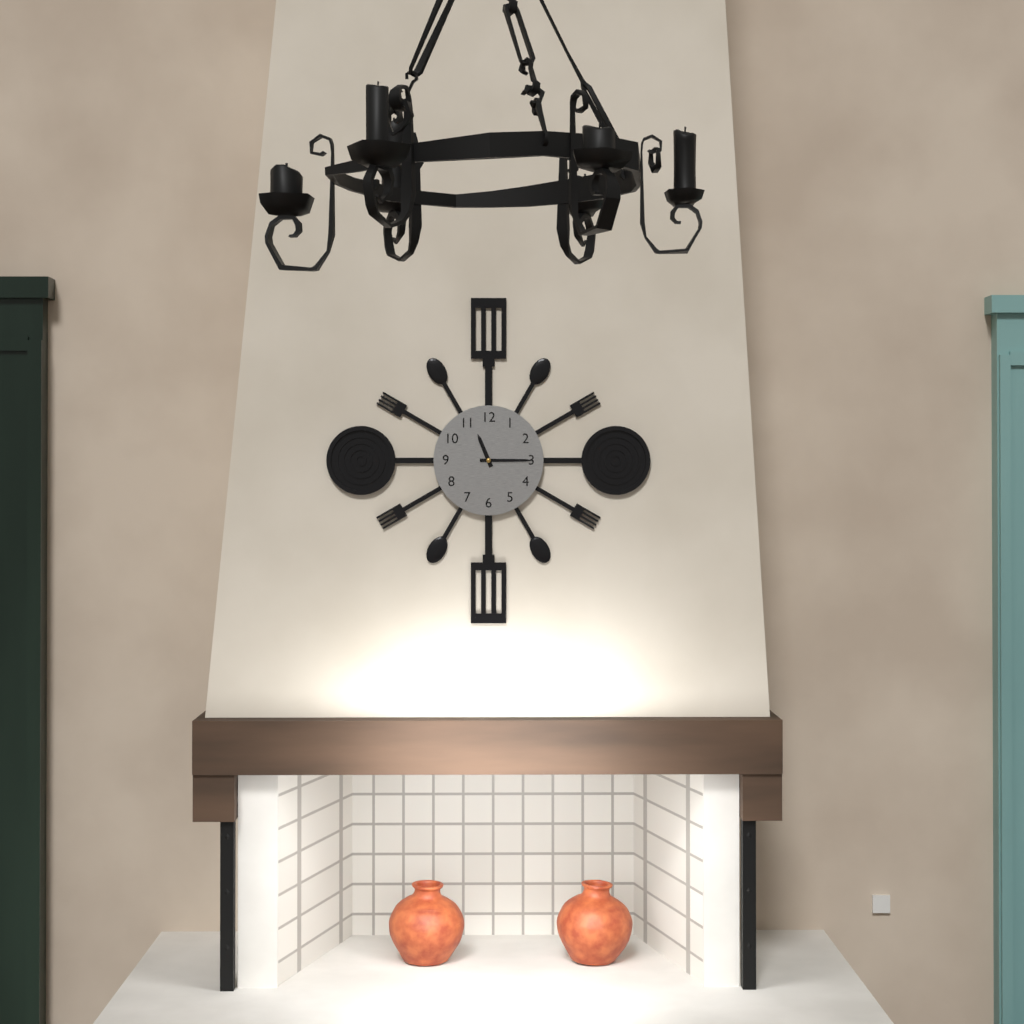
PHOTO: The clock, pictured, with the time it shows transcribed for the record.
11:15
